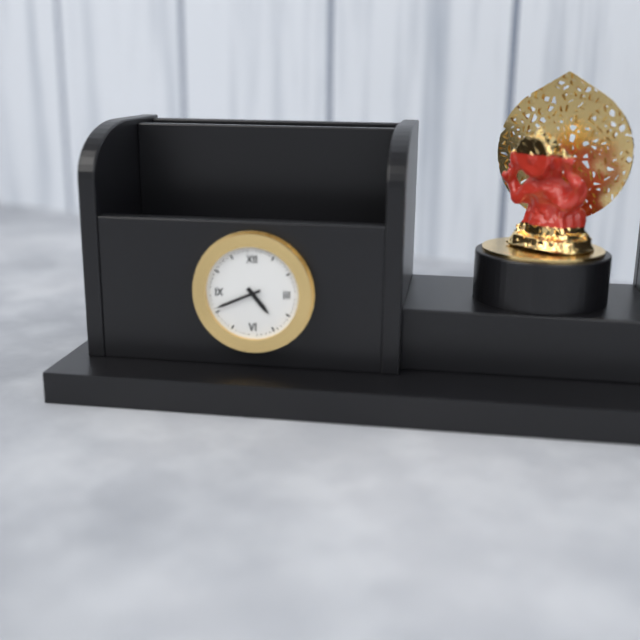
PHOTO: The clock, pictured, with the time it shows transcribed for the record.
4:41
